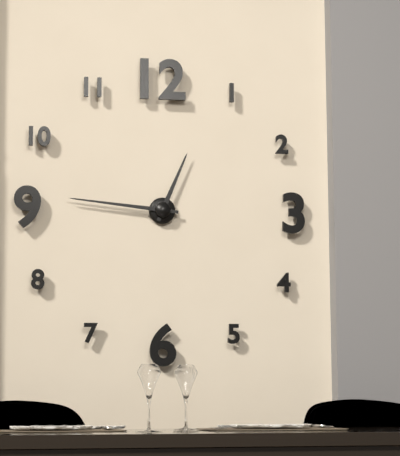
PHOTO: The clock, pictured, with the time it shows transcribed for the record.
12:46
